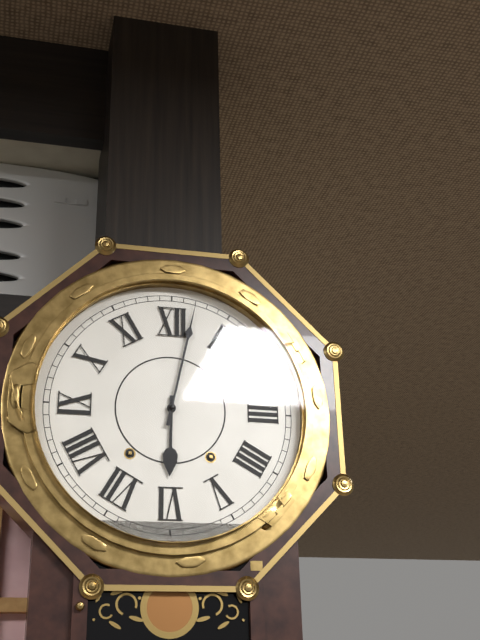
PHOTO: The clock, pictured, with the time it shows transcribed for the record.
6:02
